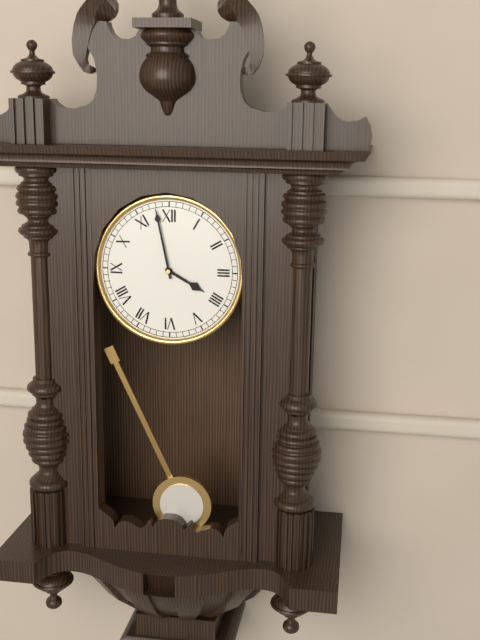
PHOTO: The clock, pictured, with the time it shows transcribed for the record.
3:58
